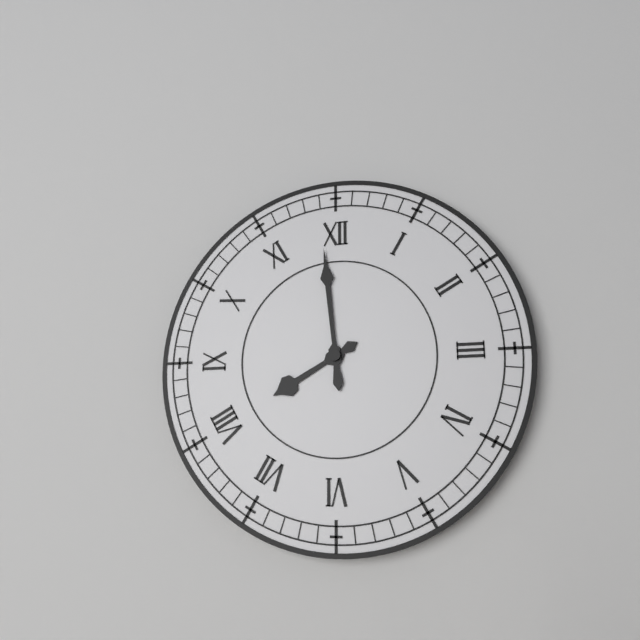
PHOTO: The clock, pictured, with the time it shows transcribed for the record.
7:59
